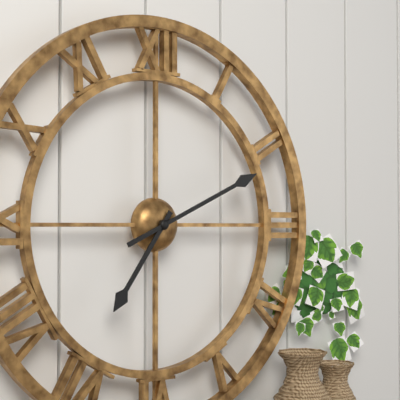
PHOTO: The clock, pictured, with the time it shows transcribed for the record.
7:11
